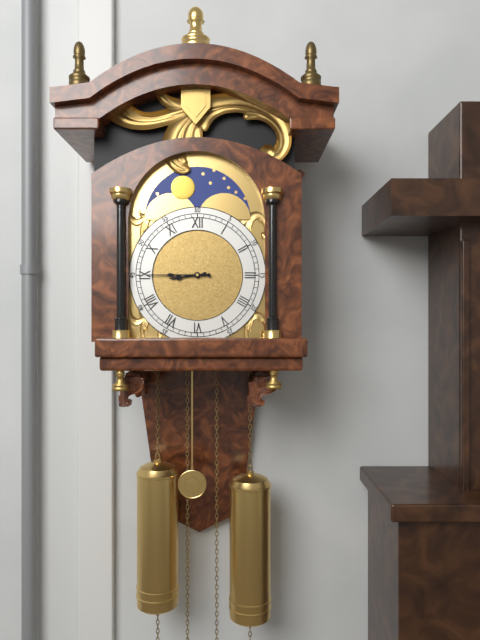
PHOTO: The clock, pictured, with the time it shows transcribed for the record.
8:45
